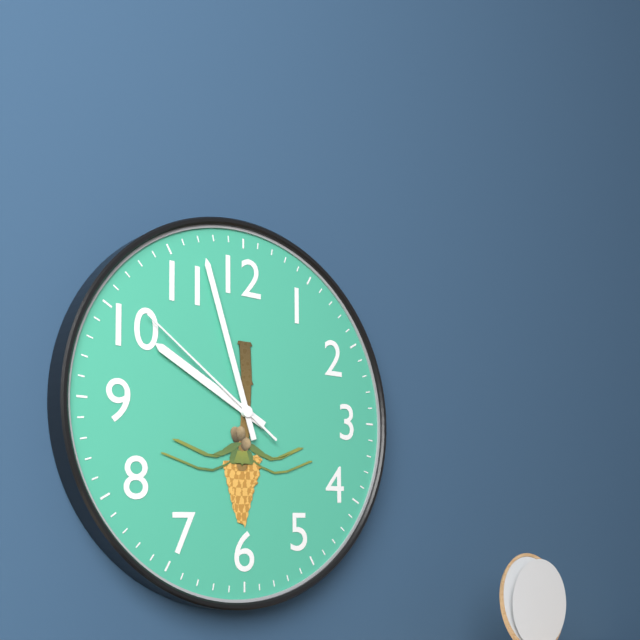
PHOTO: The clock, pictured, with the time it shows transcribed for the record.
9:57:51
